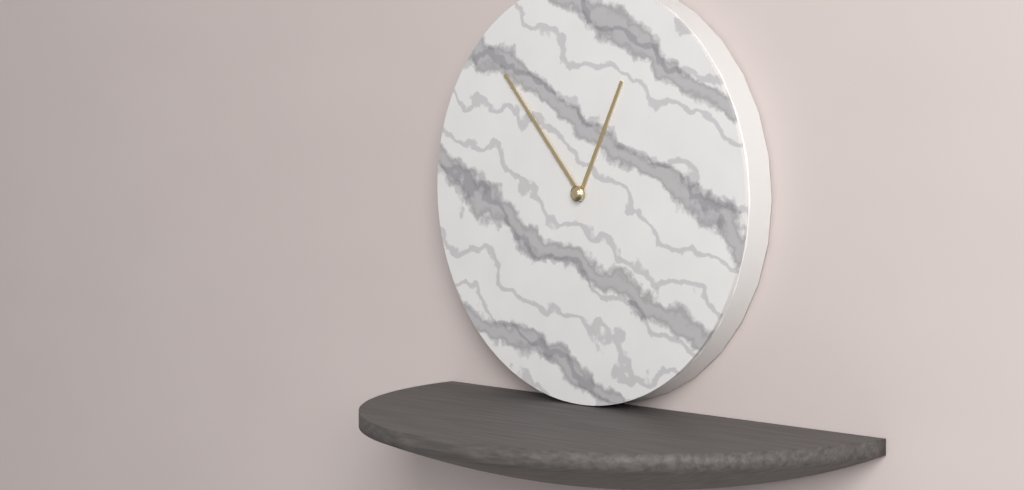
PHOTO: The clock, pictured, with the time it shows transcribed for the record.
12:53
